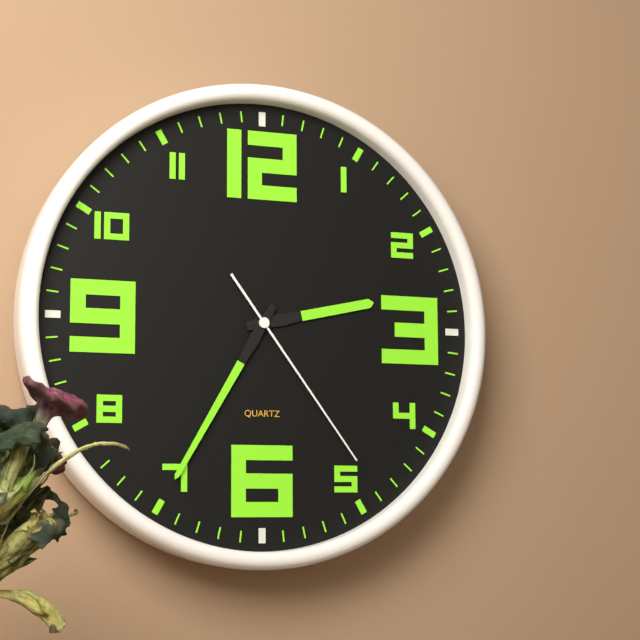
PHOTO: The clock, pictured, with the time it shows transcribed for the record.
2:35:24
